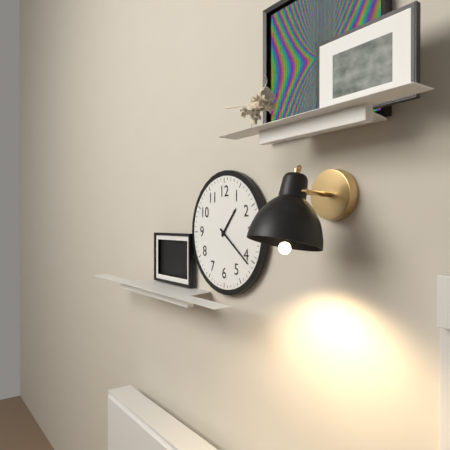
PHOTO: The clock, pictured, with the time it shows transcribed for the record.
1:21
